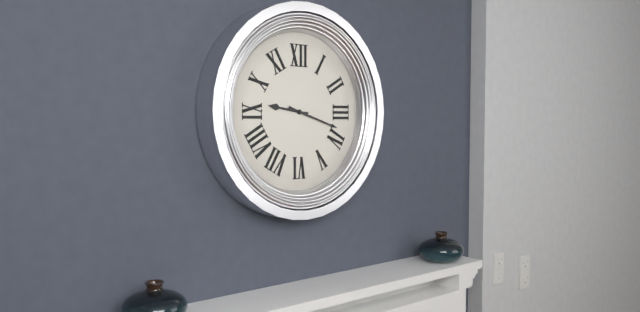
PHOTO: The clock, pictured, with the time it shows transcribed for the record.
9:18
